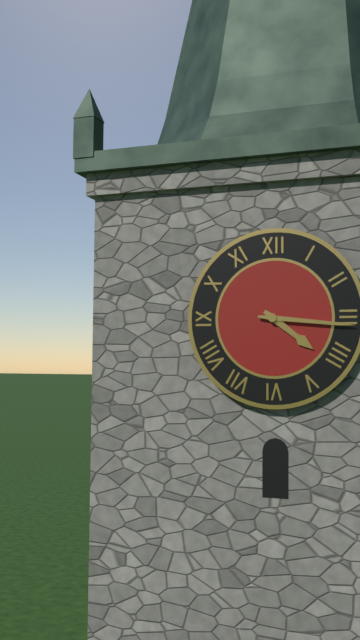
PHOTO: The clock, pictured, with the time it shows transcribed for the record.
4:16
